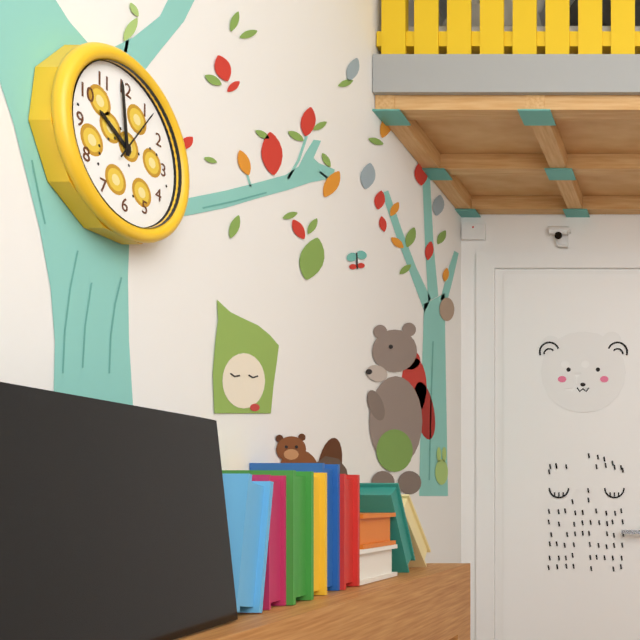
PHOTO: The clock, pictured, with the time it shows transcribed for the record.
9:59:06
